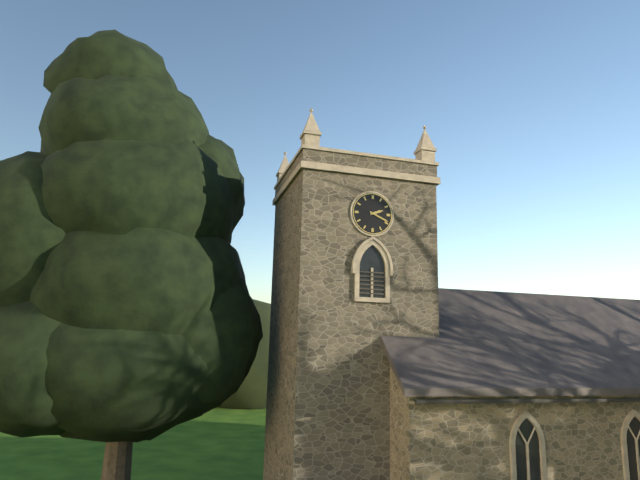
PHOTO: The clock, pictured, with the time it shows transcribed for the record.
2:19
